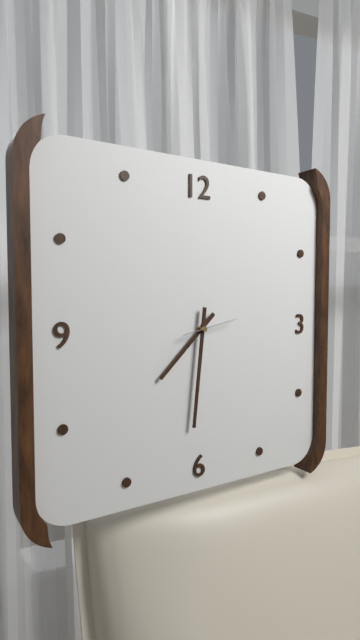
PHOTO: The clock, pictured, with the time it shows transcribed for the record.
7:31
